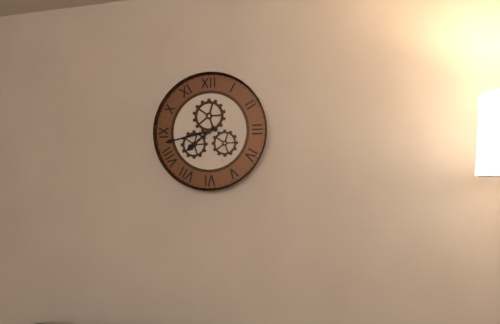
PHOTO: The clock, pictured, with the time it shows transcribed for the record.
7:43
